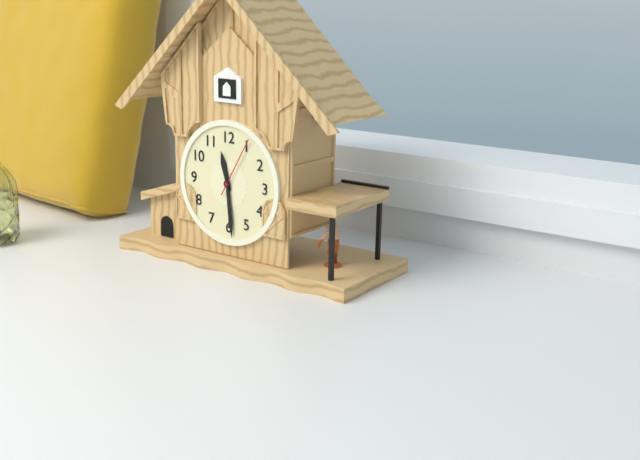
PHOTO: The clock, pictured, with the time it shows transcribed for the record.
11:29:05
